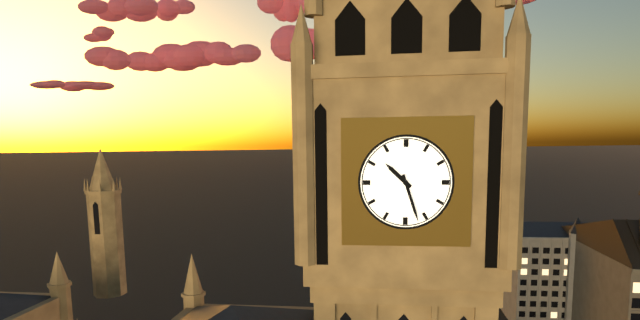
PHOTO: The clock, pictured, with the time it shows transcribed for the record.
10:27
